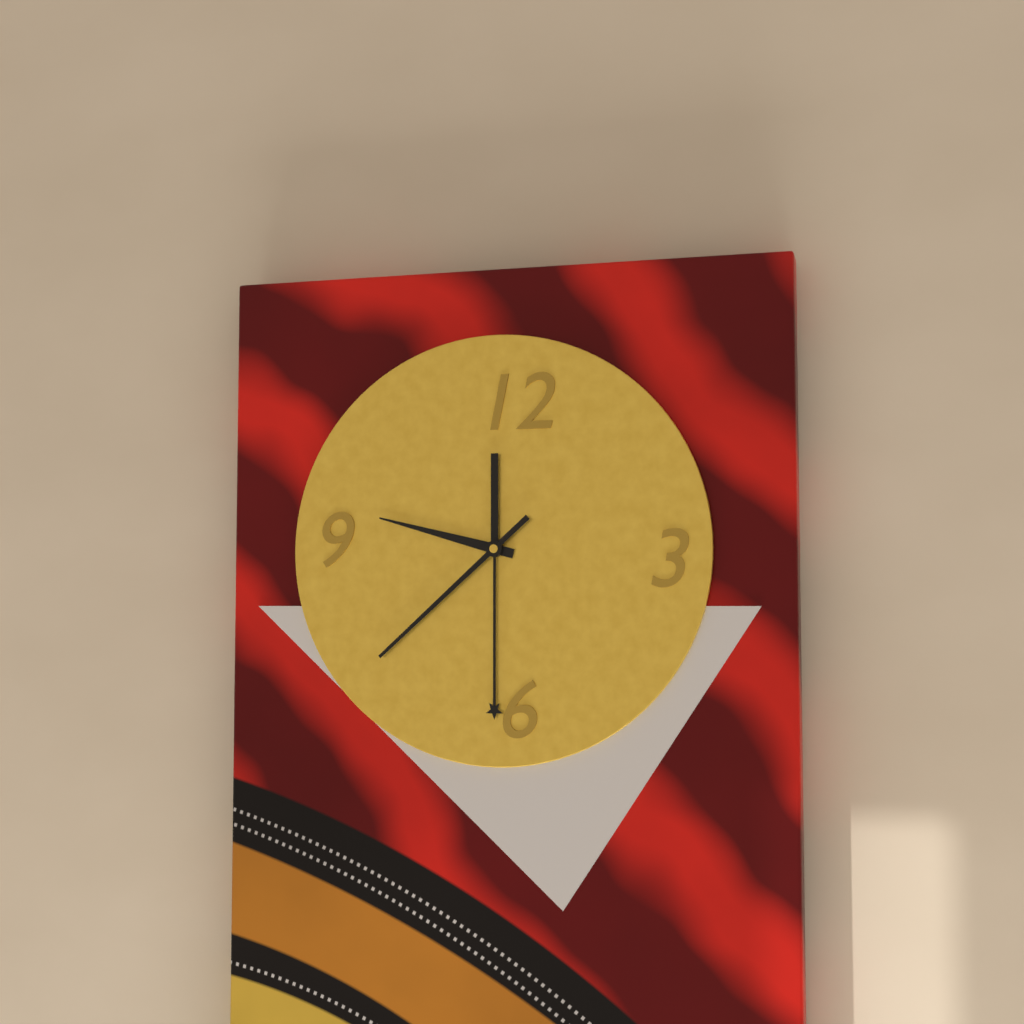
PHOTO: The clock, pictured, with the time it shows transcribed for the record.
9:30:38
